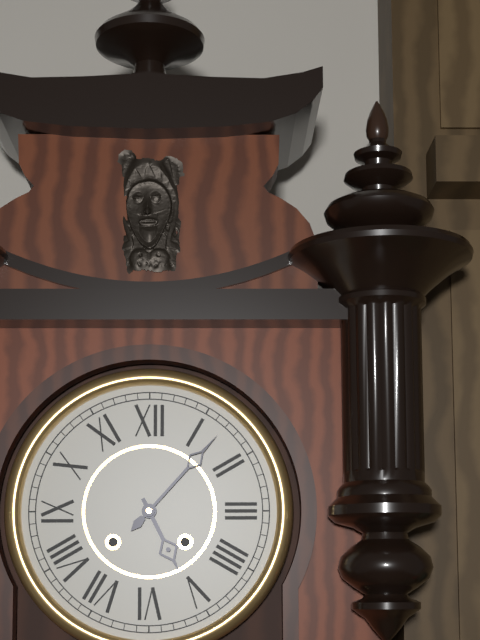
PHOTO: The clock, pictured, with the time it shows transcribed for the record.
5:07
